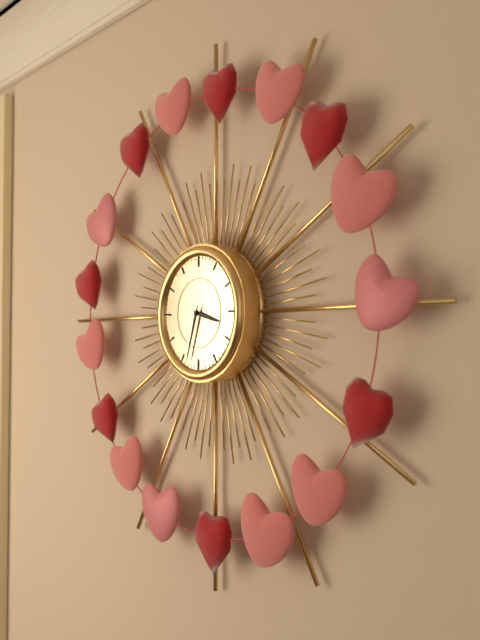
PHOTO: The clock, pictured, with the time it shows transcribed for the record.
3:33
